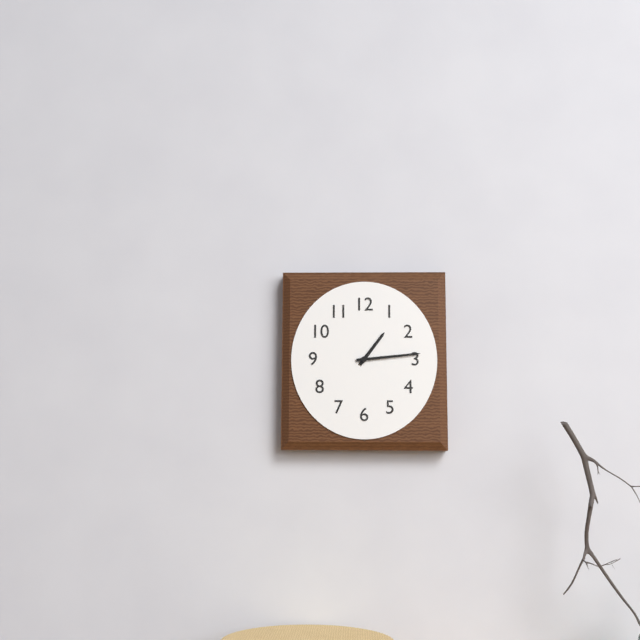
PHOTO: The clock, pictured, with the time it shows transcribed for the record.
1:14
